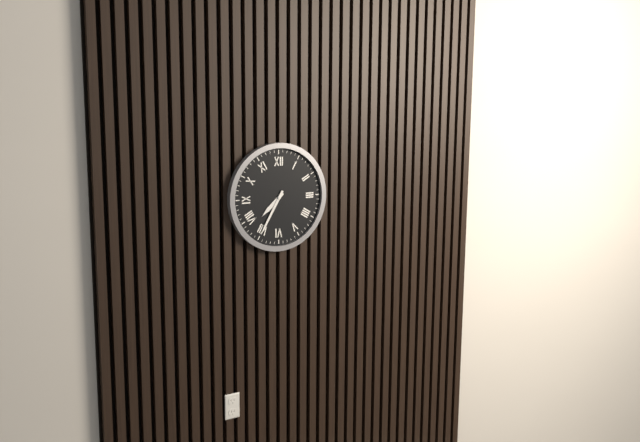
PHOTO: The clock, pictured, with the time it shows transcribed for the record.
7:35
